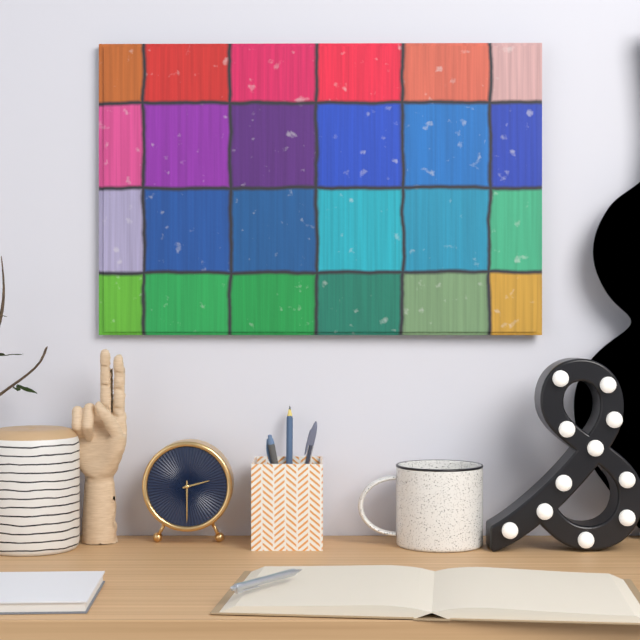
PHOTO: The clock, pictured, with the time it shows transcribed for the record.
2:30
